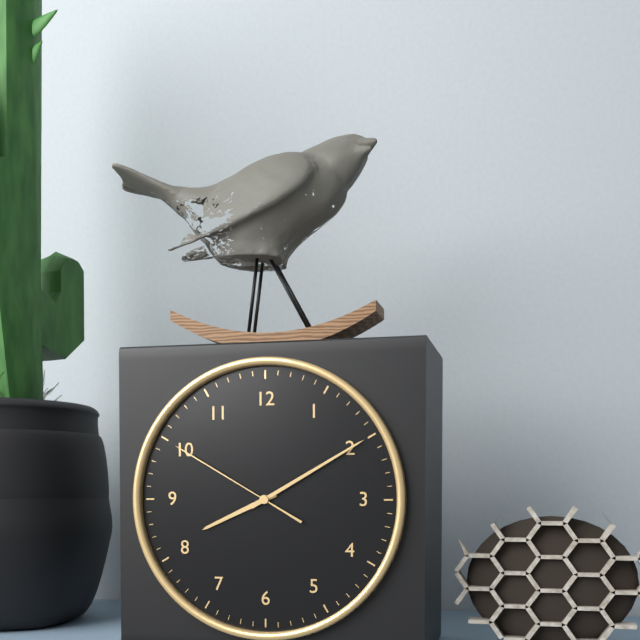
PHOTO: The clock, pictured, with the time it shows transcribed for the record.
8:10:50
